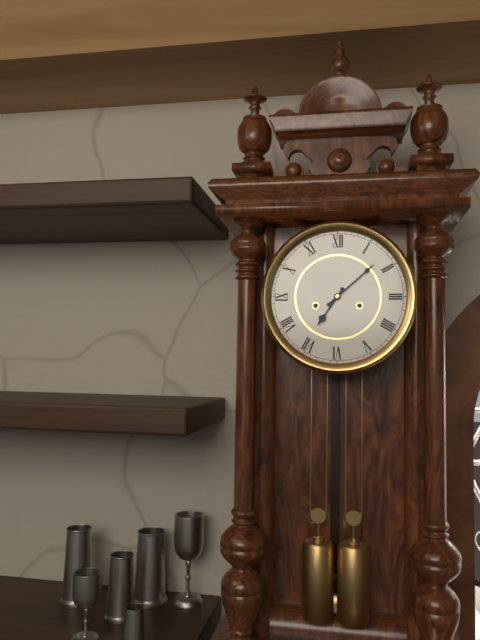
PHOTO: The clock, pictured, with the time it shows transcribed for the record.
7:08
